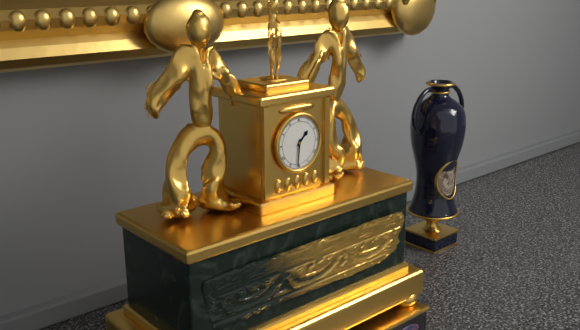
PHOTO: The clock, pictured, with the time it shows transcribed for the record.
1:31
